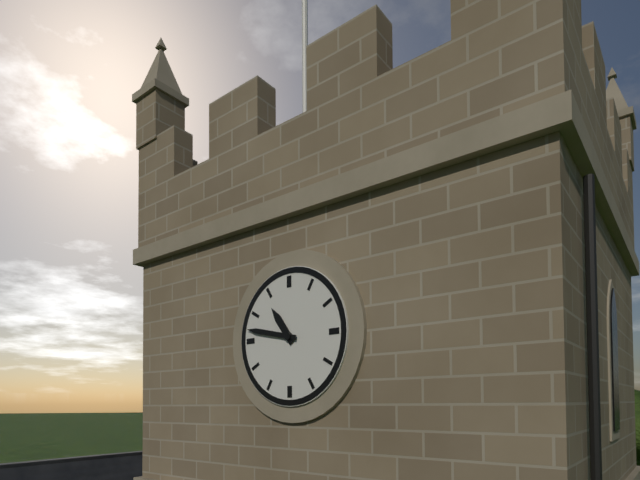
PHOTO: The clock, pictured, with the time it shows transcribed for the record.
10:47
